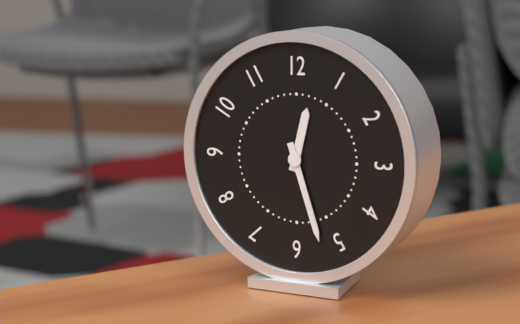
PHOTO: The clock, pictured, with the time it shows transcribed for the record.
12:27
